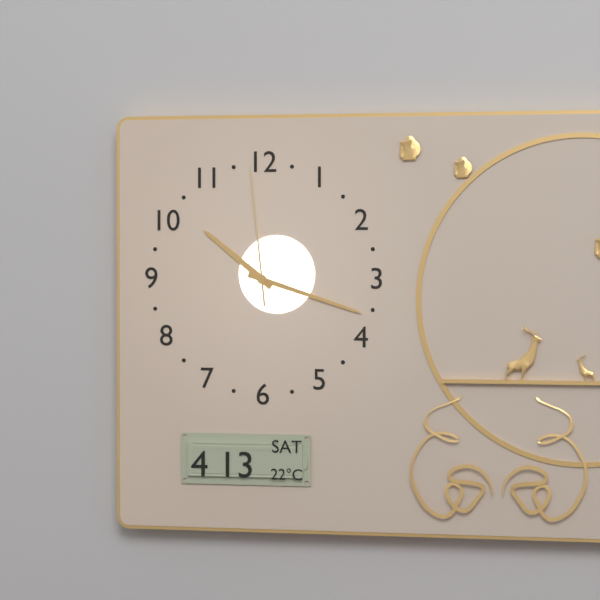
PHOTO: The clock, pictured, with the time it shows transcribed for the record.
10:18:59
